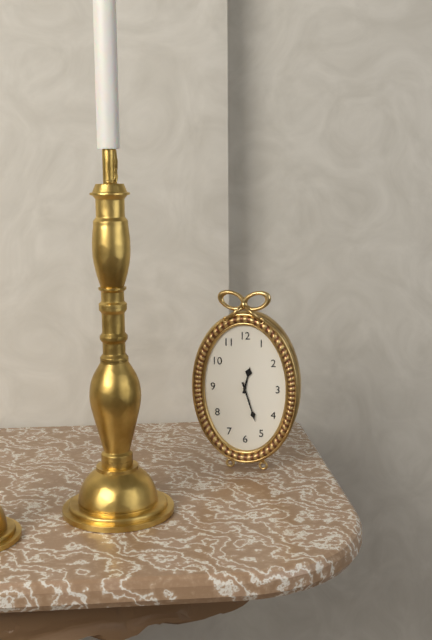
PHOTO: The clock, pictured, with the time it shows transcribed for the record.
12:27
